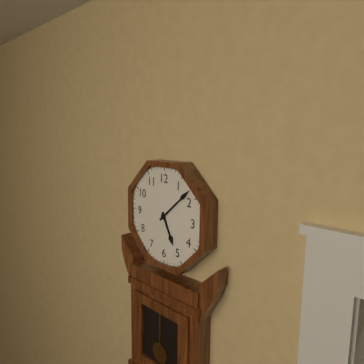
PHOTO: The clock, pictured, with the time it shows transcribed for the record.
5:08
